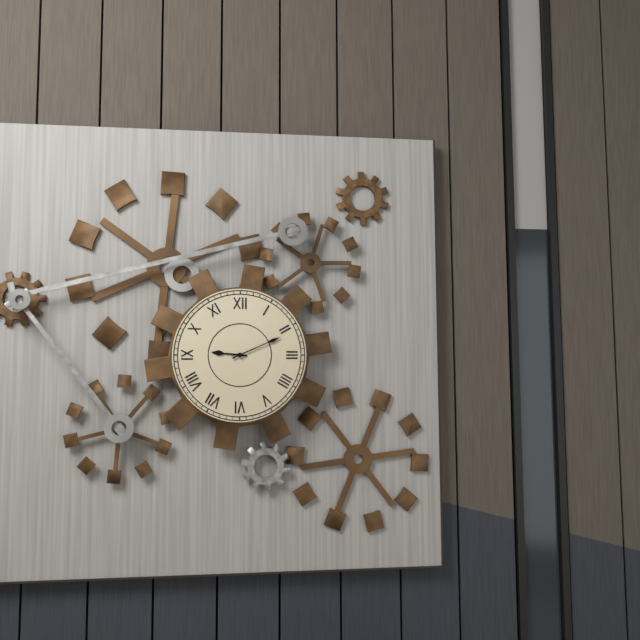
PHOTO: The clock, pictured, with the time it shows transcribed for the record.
9:11
